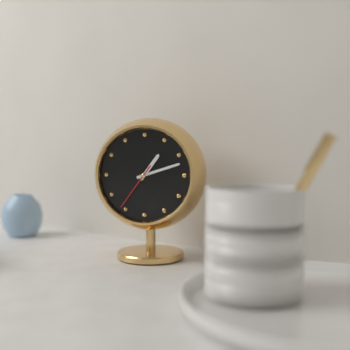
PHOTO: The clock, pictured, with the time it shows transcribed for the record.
1:12
